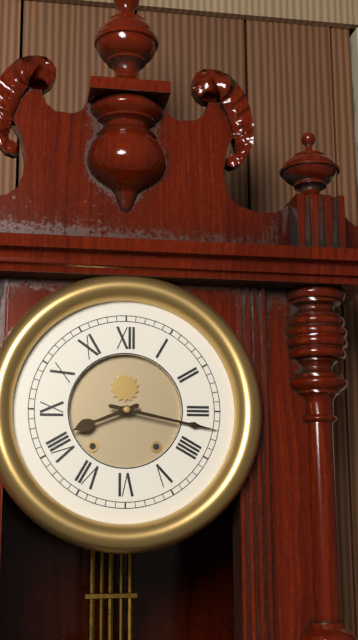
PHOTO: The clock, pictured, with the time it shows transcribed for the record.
8:17
